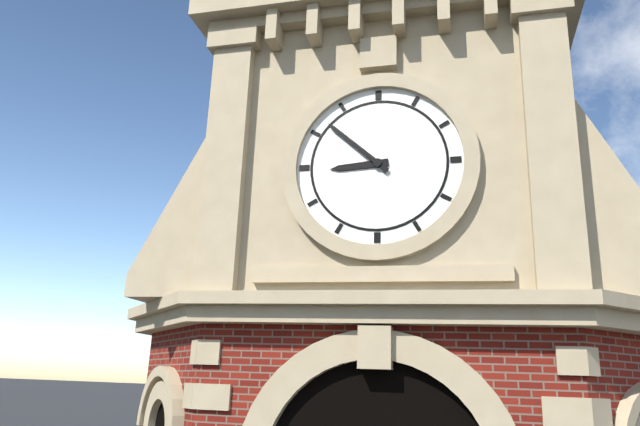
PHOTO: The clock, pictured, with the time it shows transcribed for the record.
8:52
